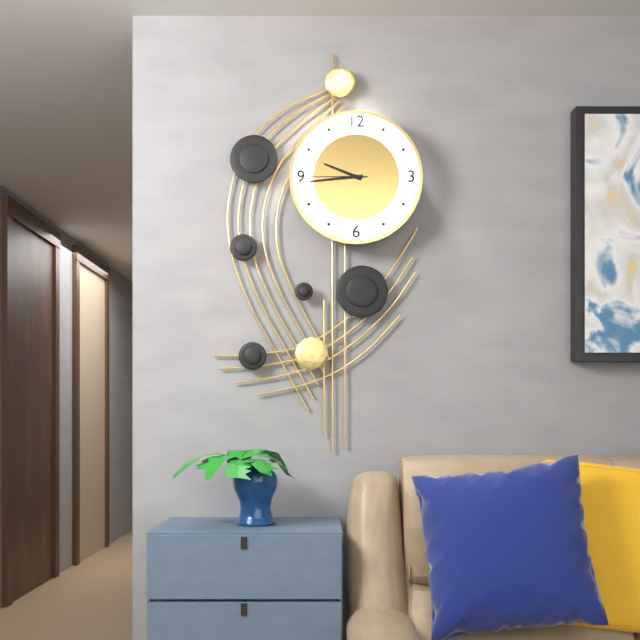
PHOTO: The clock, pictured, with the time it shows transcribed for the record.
9:44:45
